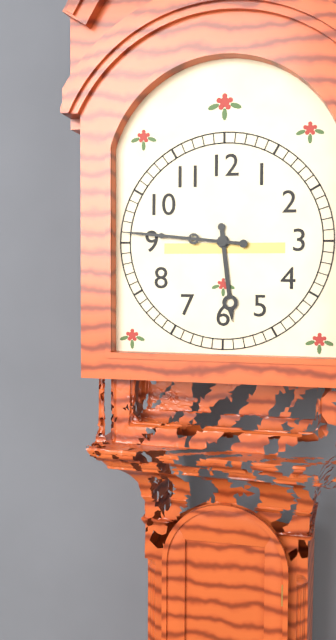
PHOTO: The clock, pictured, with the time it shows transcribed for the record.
5:46
